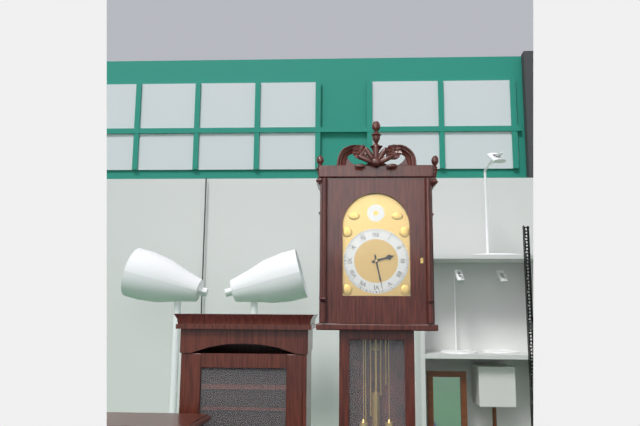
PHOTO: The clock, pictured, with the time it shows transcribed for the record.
2:28
